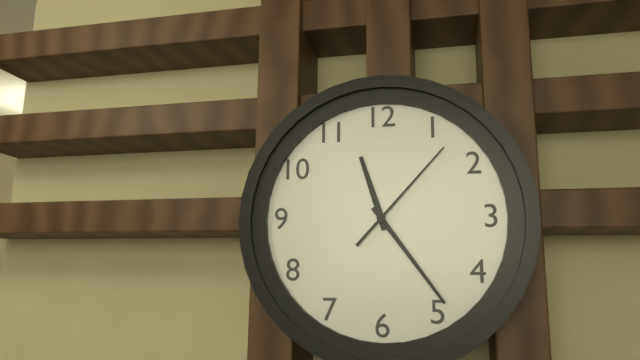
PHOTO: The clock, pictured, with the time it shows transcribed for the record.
11:24:07
